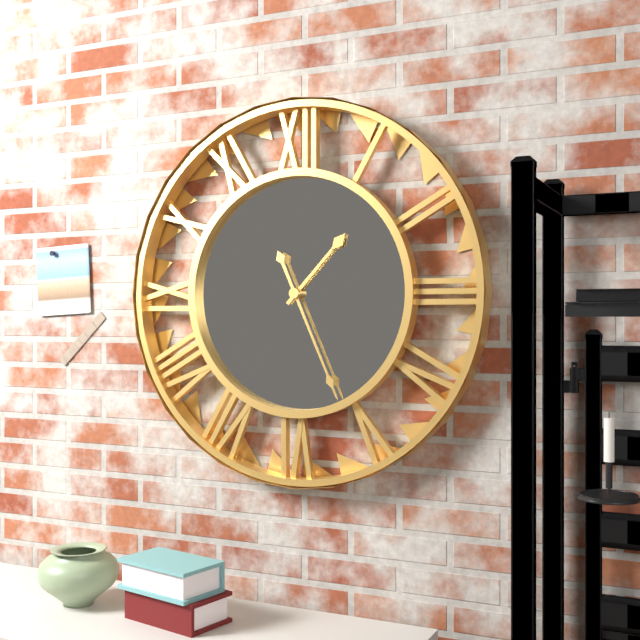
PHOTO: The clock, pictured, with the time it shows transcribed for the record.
1:26
